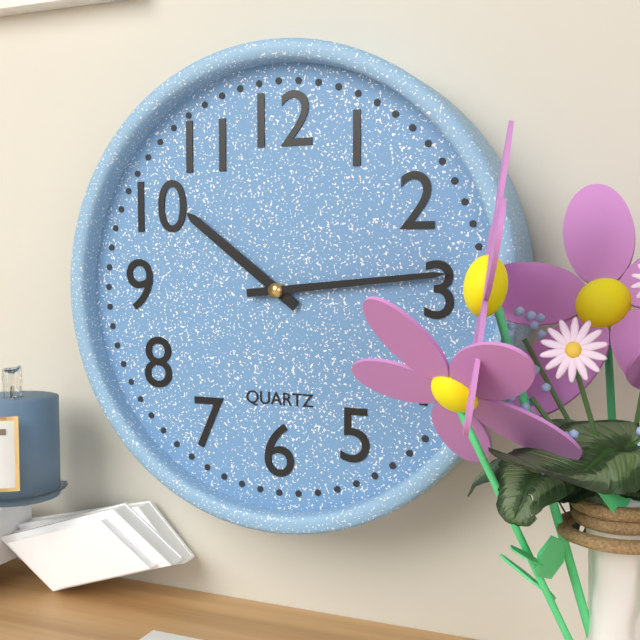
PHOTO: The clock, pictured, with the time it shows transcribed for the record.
10:14
